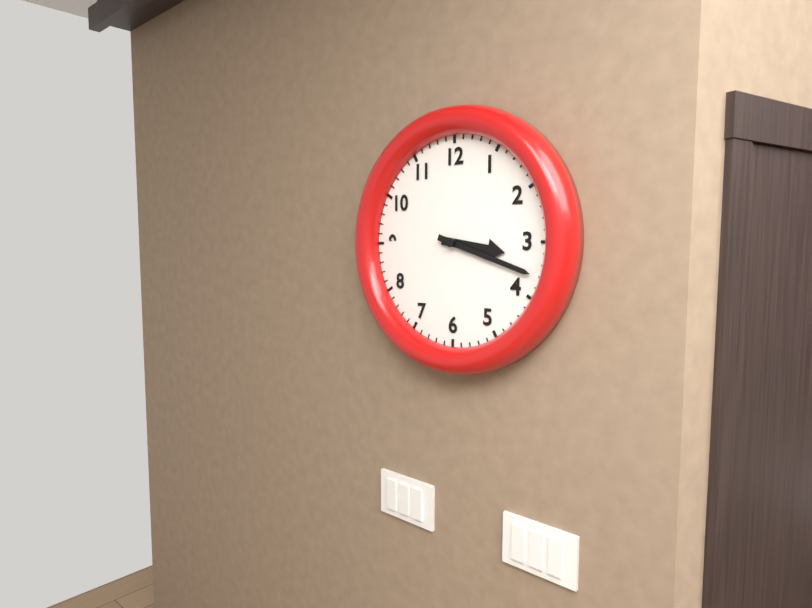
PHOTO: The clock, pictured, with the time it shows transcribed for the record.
3:18
